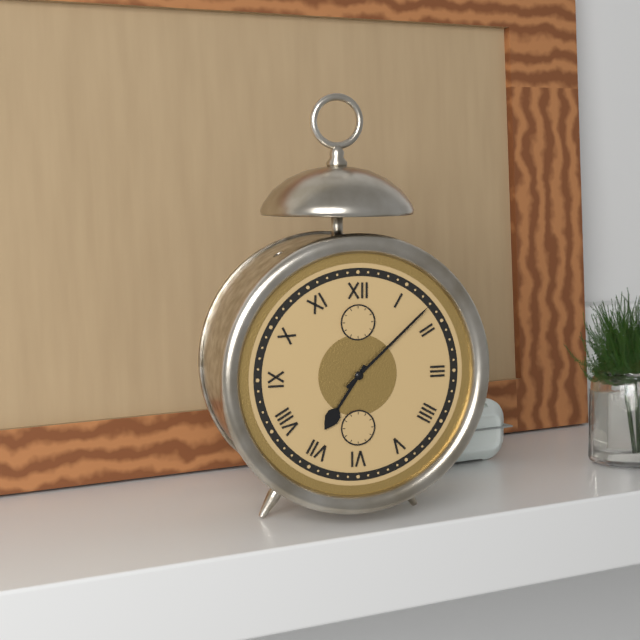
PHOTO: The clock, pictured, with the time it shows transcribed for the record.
7:08
